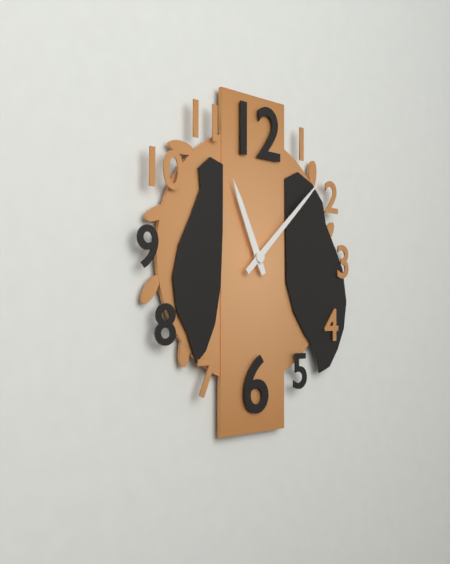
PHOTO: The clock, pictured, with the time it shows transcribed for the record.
11:08
